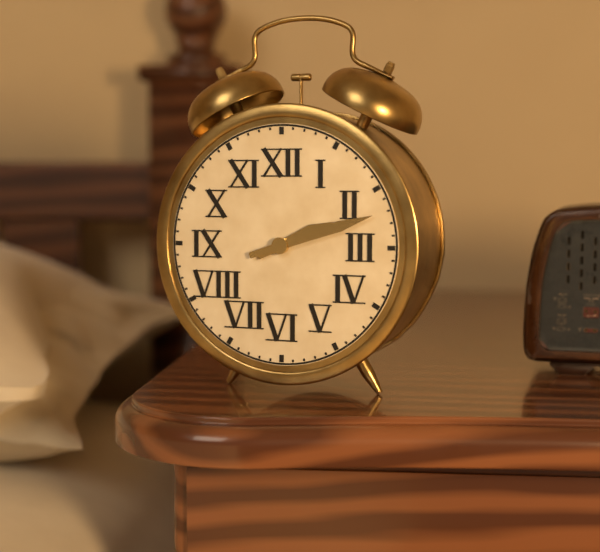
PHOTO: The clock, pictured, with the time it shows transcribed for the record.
2:12
